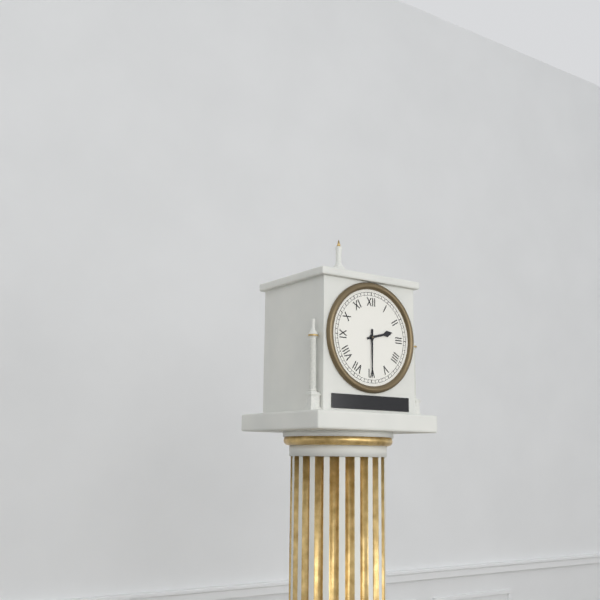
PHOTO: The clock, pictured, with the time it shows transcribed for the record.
2:30
